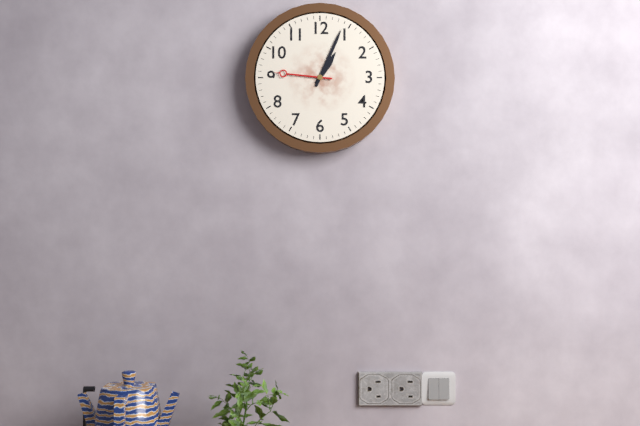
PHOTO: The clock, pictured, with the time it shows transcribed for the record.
1:04:46
